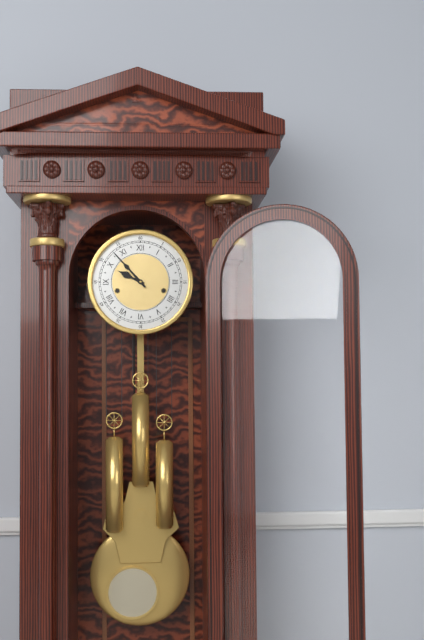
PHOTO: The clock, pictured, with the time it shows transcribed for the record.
9:53
